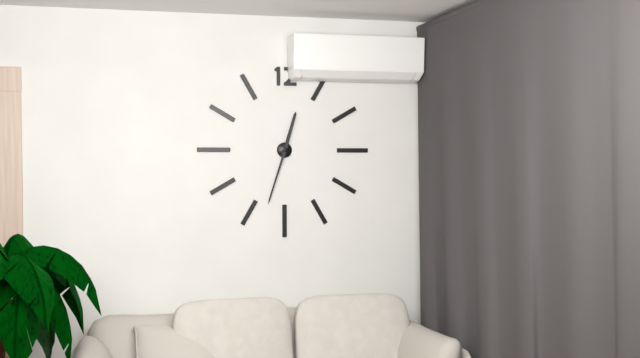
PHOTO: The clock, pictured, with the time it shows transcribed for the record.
12:33
